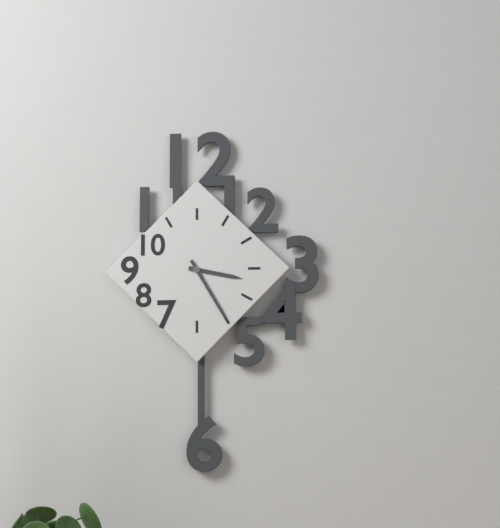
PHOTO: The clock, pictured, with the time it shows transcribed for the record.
3:25
